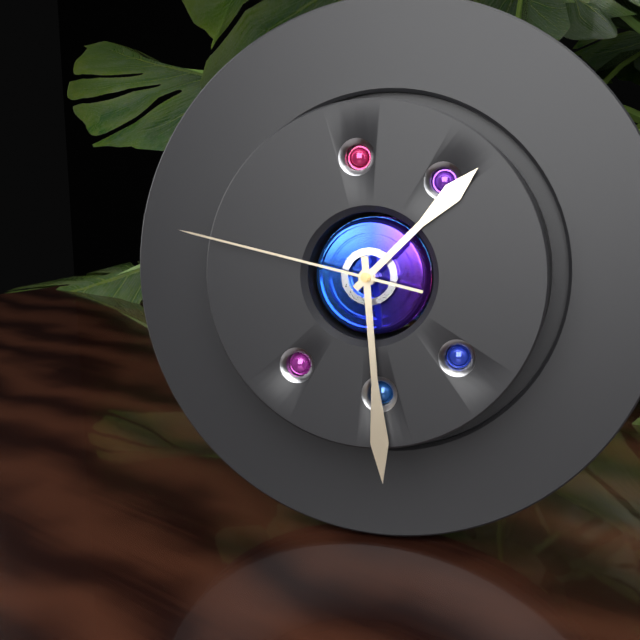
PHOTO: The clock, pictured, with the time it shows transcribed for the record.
1:29:47
